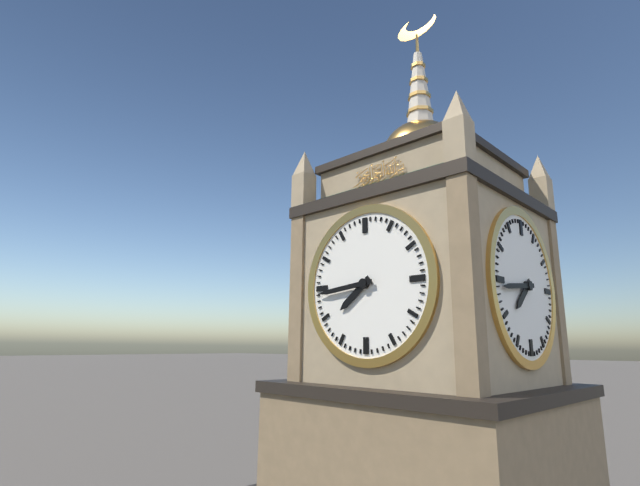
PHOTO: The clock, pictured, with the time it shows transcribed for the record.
7:44
